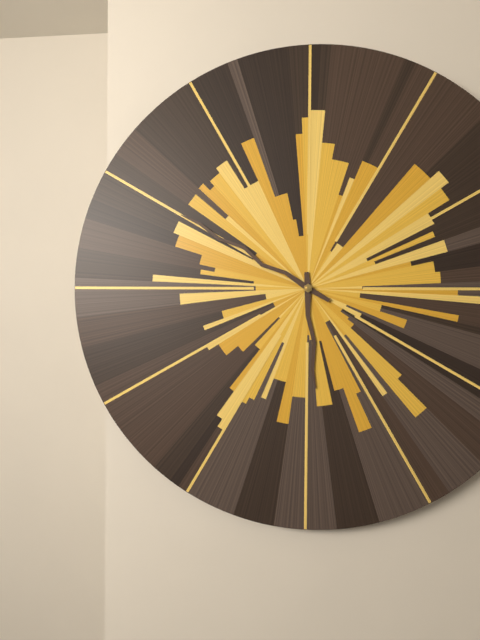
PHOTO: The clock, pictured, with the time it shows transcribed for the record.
5:50
